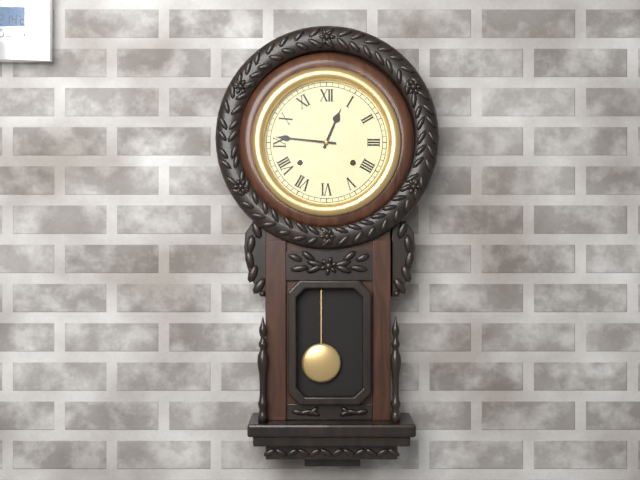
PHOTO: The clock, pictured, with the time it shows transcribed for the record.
12:46
